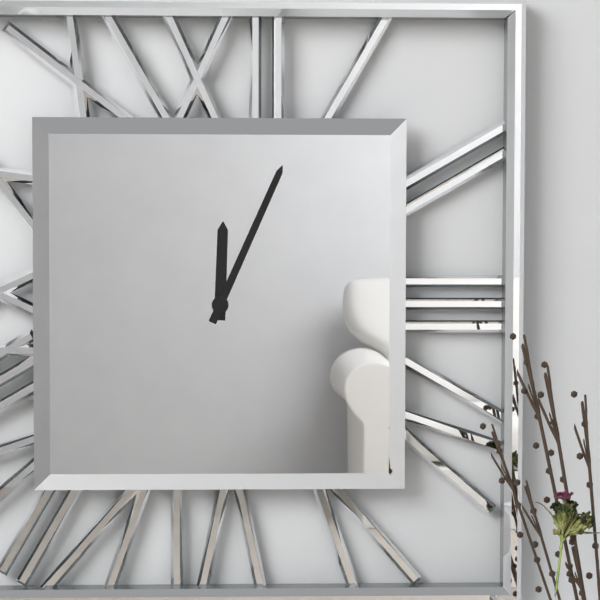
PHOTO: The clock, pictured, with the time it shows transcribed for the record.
12:04
